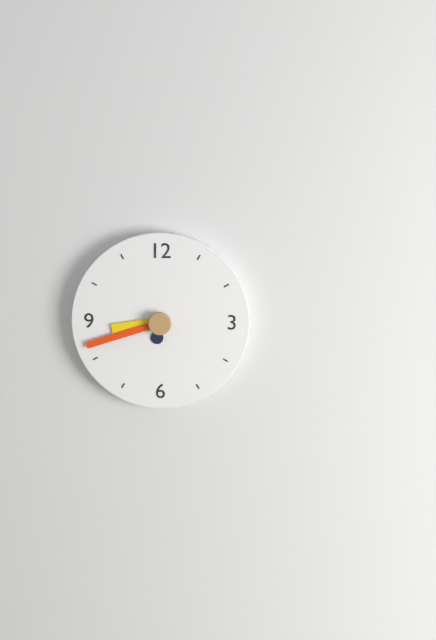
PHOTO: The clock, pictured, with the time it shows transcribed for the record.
8:42
